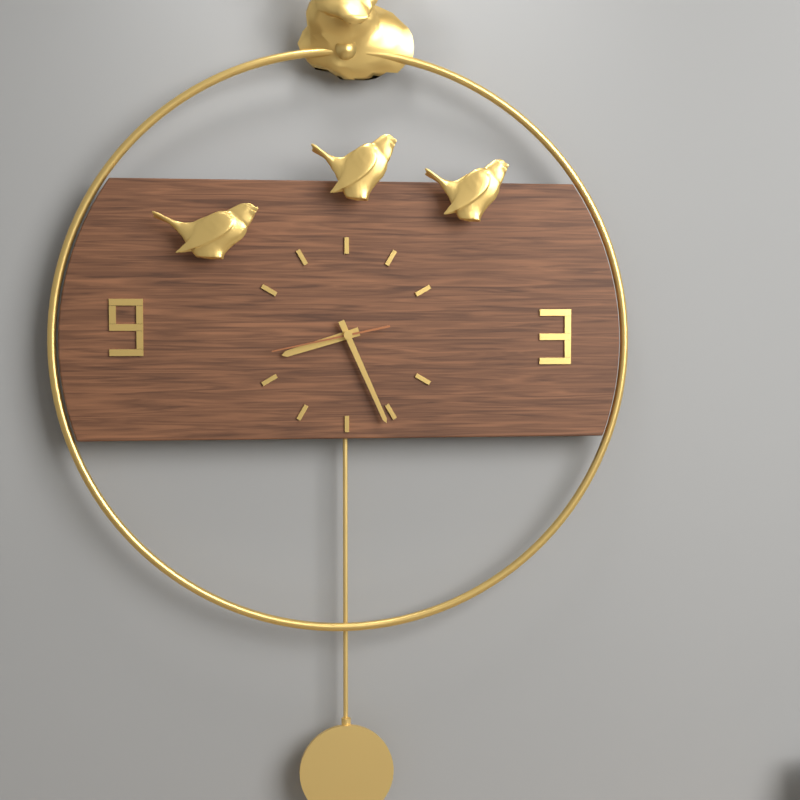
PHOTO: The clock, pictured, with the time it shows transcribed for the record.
8:26:43
